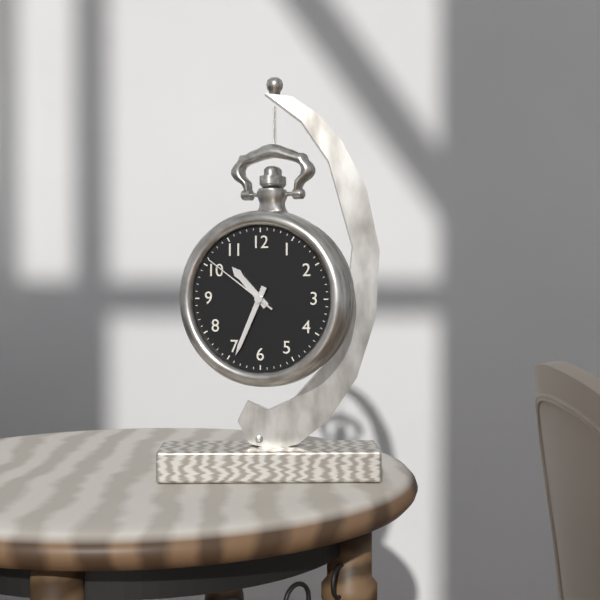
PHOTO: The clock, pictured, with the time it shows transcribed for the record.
10:34:51
